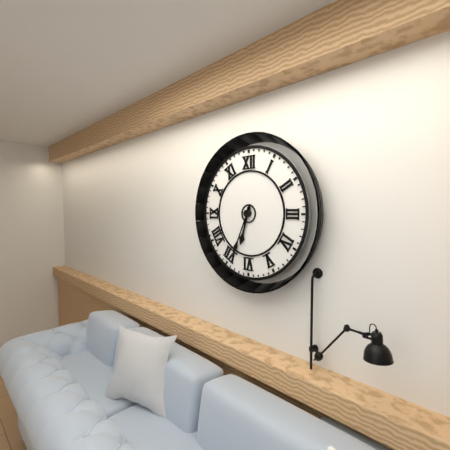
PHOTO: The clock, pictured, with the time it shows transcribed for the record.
6:34
